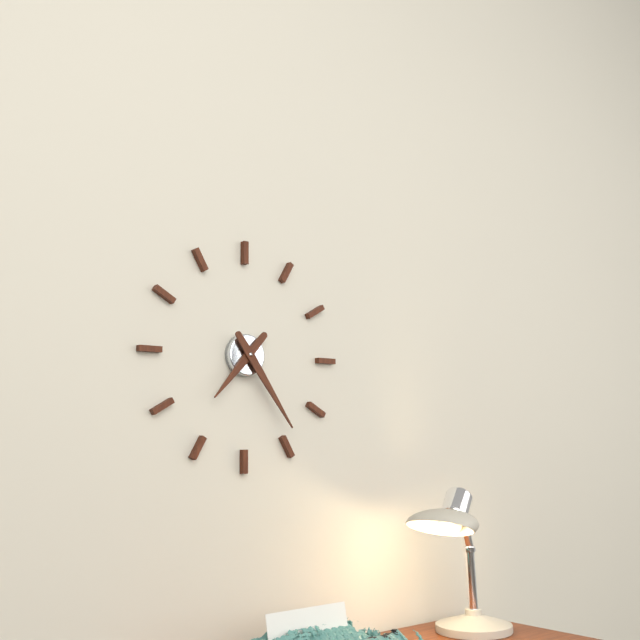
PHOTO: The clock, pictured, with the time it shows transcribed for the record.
7:24
